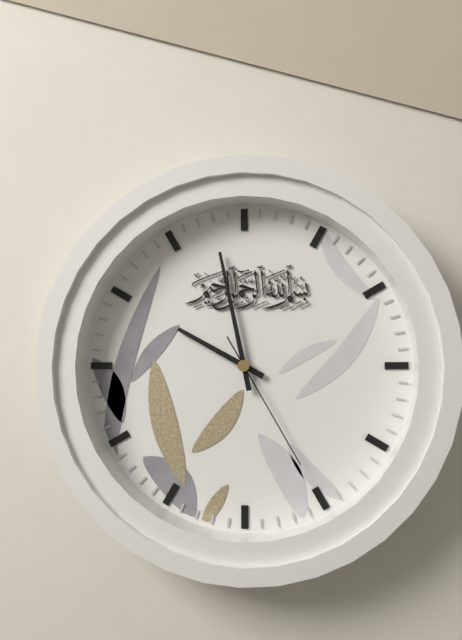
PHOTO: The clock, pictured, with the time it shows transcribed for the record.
9:58:25
